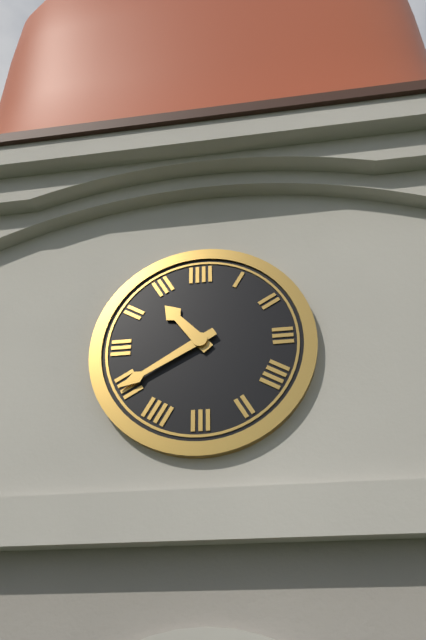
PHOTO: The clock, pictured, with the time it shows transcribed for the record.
10:40
